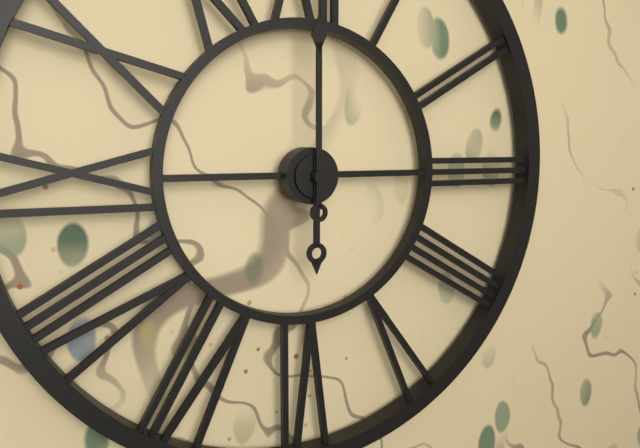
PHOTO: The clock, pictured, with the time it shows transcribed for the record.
6:00
